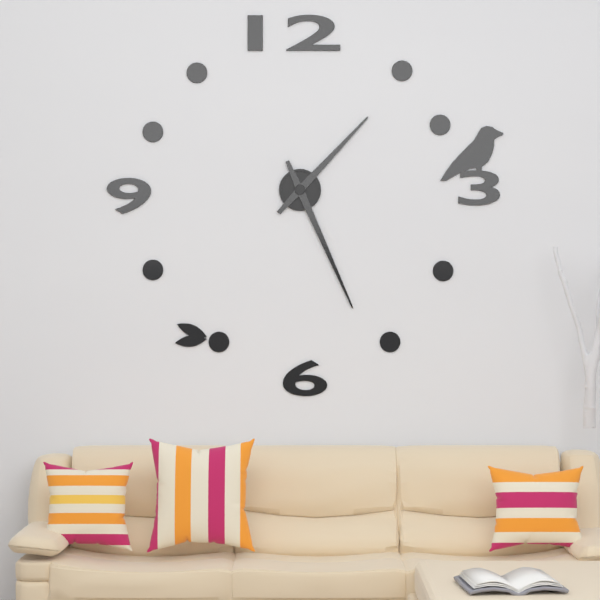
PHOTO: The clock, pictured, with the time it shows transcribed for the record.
1:26
